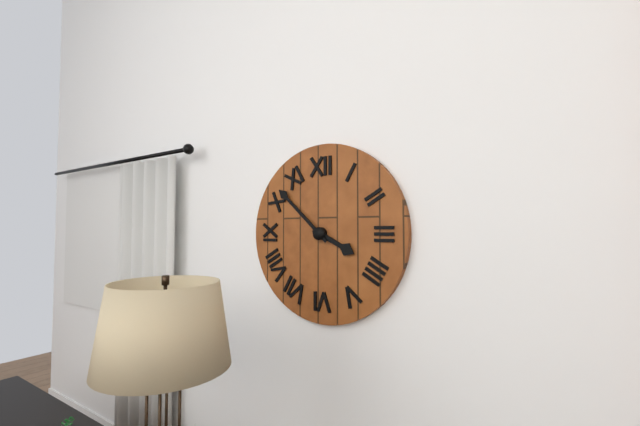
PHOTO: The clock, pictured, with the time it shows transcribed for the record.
3:52
